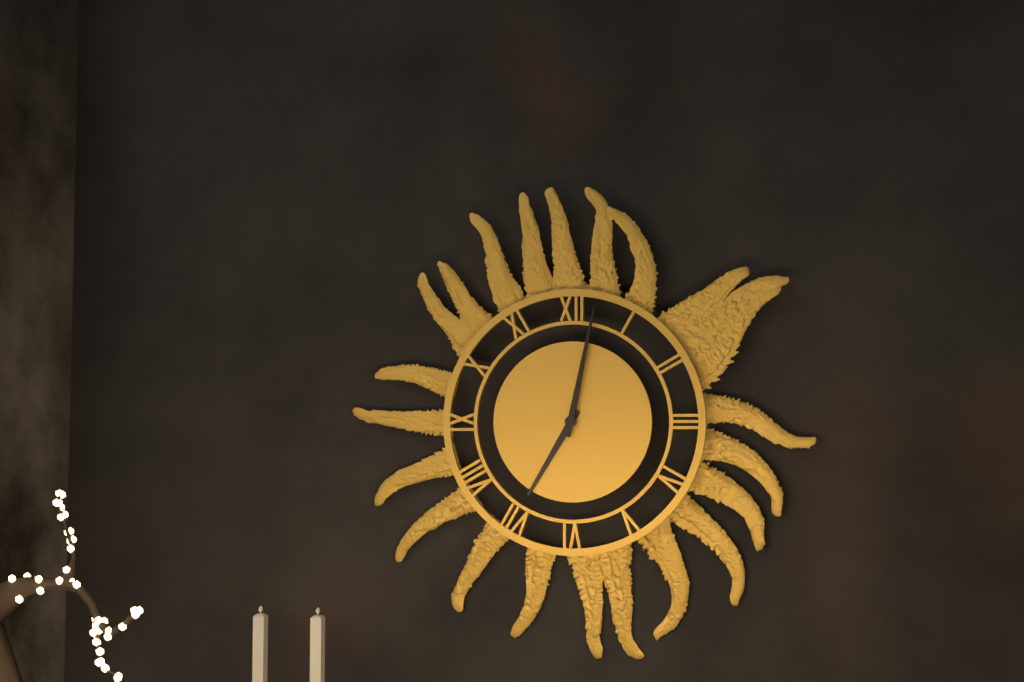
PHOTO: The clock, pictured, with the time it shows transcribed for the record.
7:02
